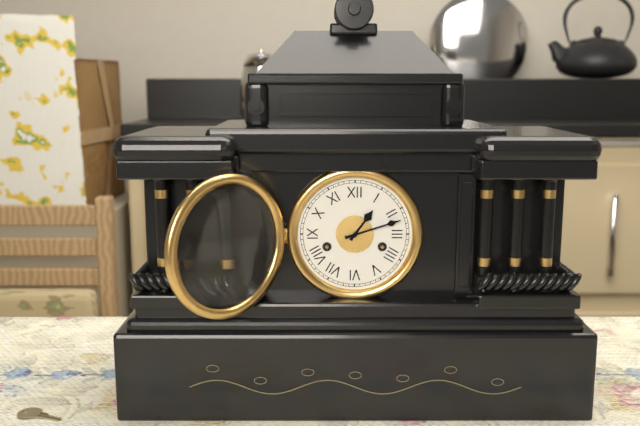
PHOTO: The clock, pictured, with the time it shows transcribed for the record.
1:12
